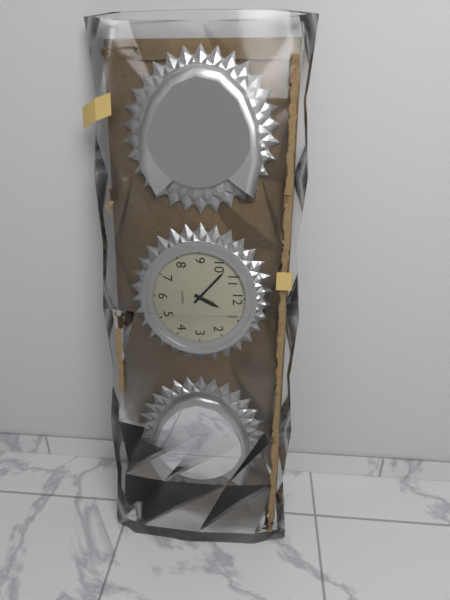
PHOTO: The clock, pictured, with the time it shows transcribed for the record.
12:52
